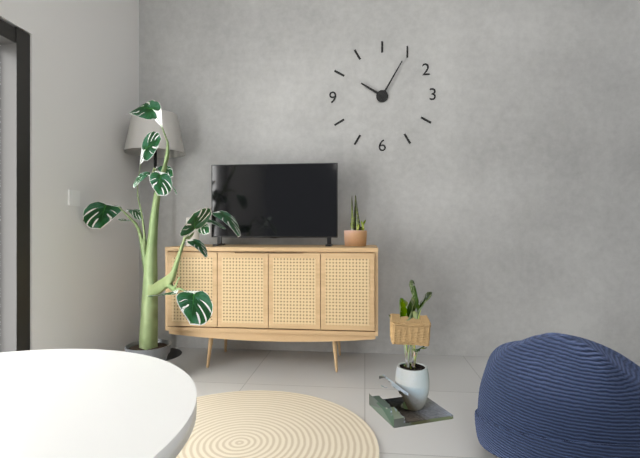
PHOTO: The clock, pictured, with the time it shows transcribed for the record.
10:05
